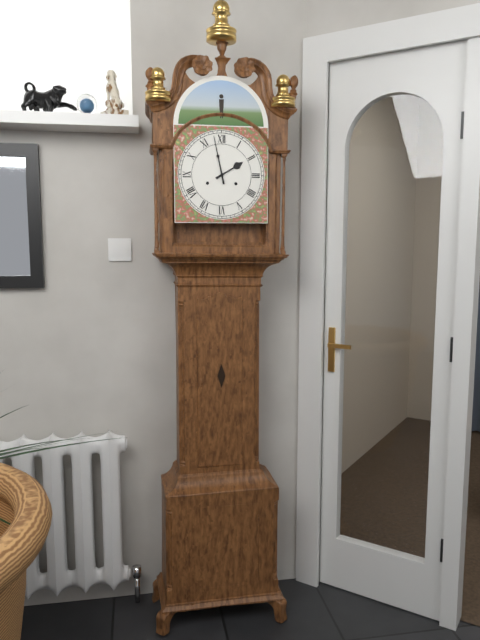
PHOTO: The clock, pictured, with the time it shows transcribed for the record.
1:58
